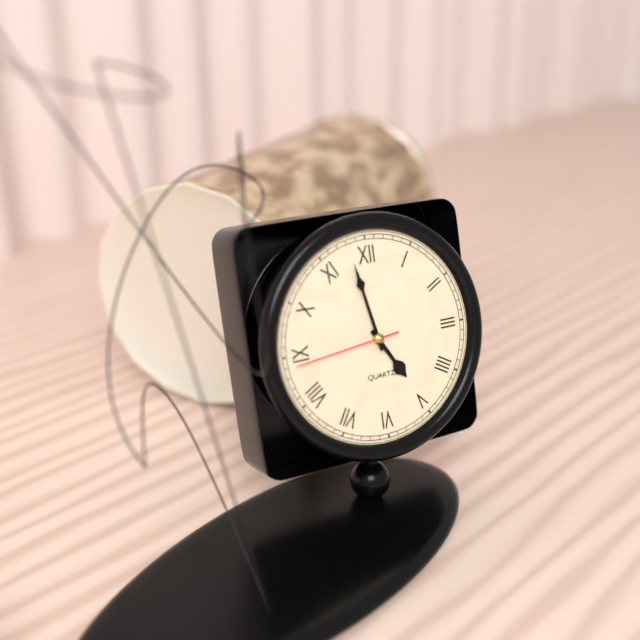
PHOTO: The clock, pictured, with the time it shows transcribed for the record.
4:58:44
